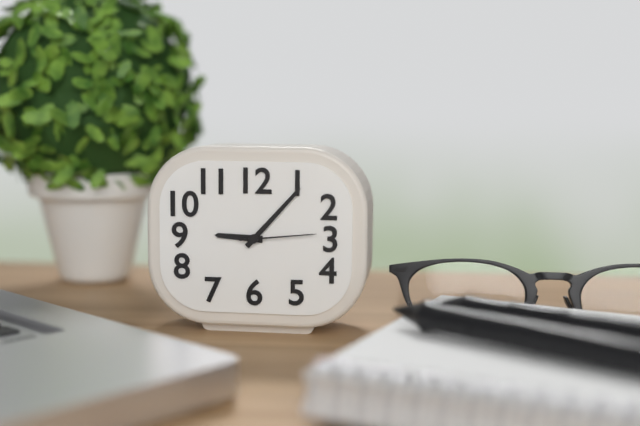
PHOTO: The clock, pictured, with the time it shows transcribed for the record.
9:07:14
